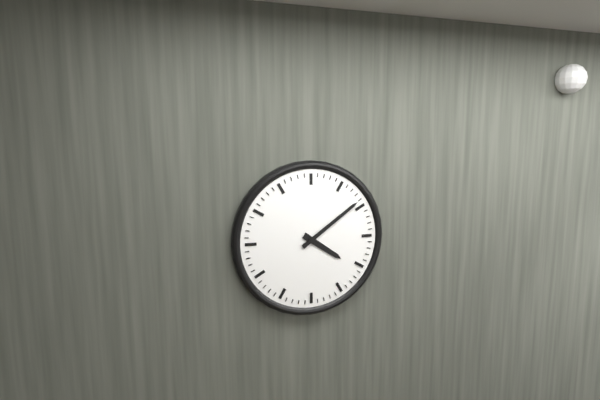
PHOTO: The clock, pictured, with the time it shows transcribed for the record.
4:09
